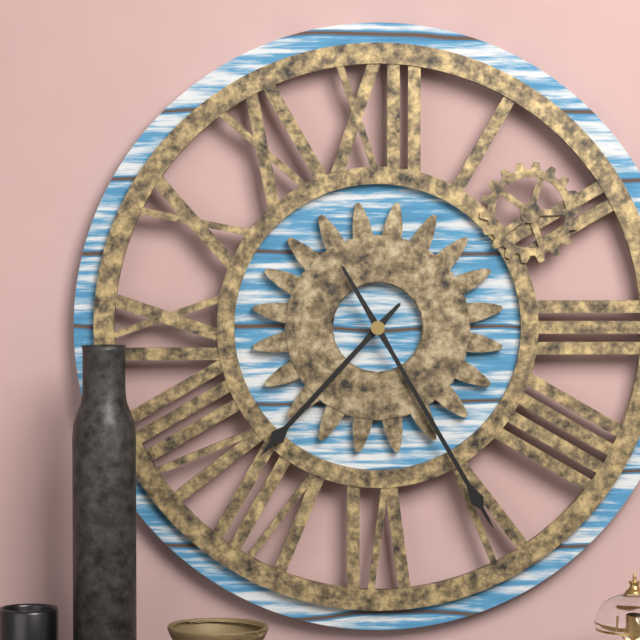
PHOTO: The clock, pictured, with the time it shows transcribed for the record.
7:25
